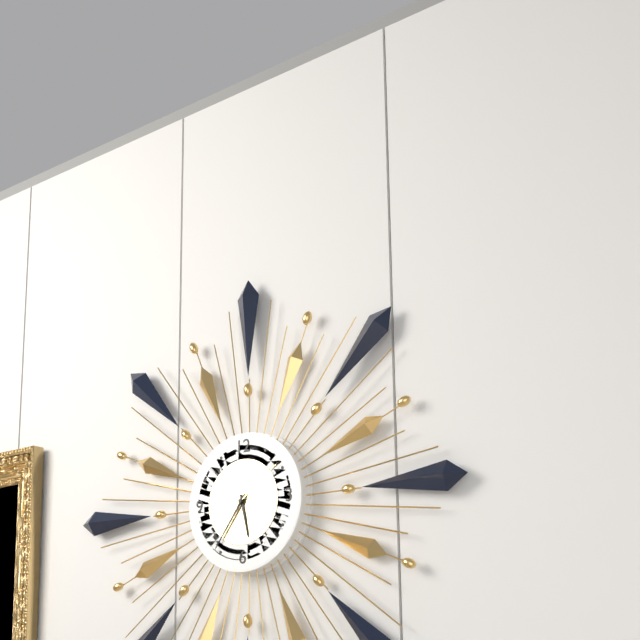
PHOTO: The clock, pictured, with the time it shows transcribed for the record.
5:36:09
